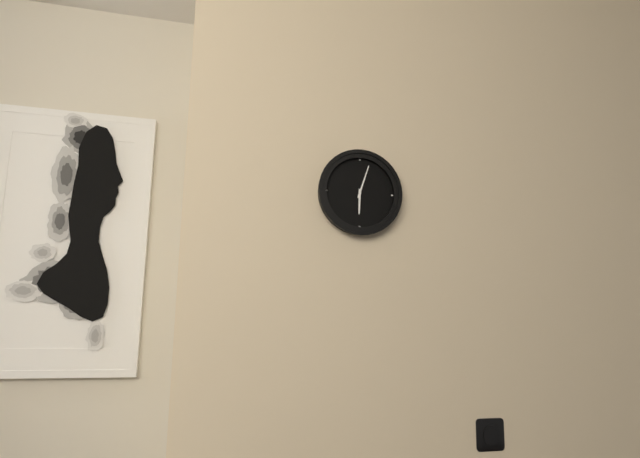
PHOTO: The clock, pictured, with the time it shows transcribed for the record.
6:03
